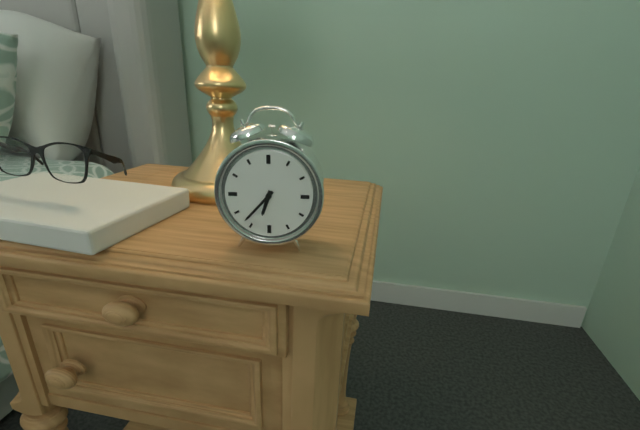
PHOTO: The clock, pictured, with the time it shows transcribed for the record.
6:37
